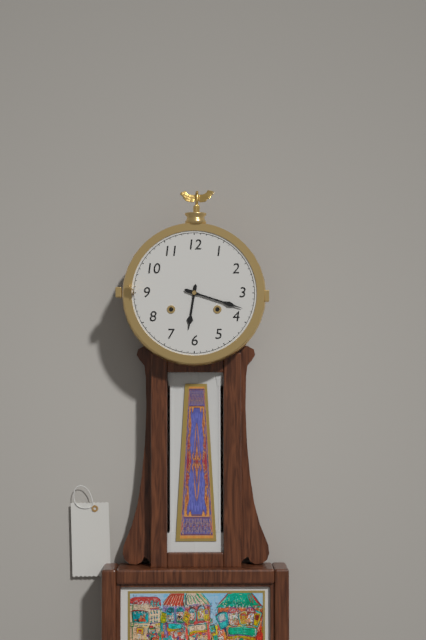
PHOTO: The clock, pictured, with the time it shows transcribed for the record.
6:18
